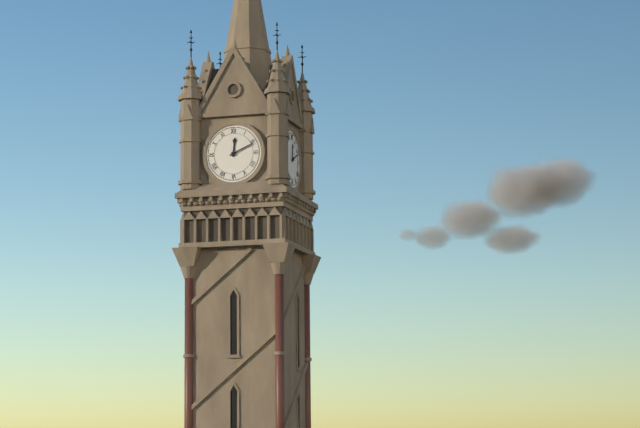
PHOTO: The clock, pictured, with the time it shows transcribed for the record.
12:11
